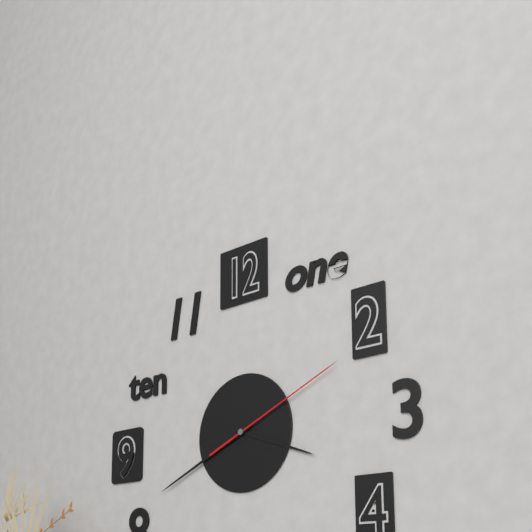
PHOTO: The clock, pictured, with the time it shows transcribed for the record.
3:41:11
